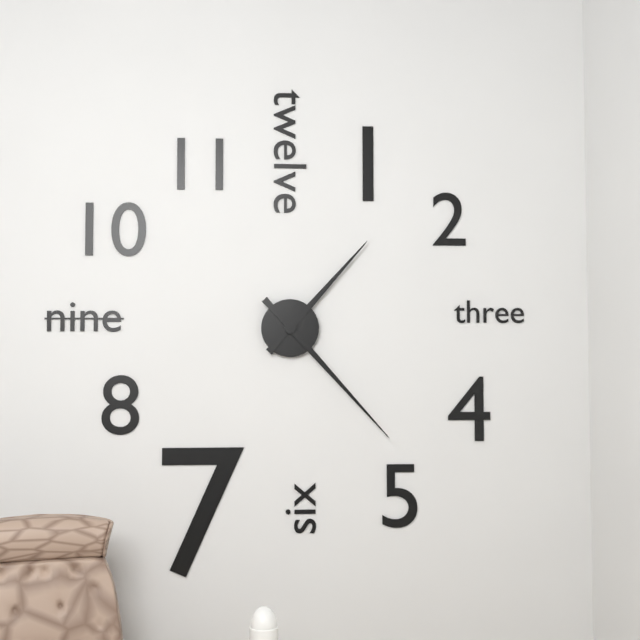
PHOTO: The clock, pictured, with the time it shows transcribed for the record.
1:23
